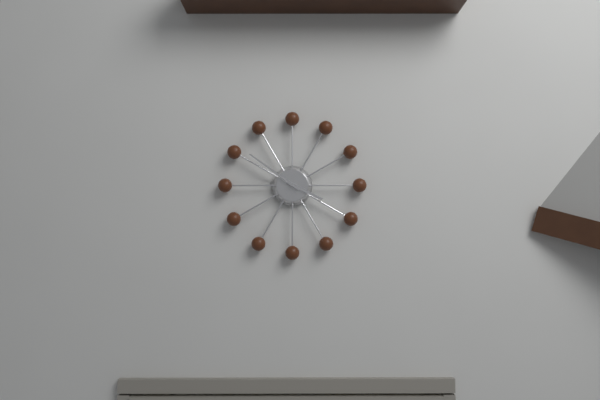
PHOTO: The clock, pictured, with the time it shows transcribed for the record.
3:51
